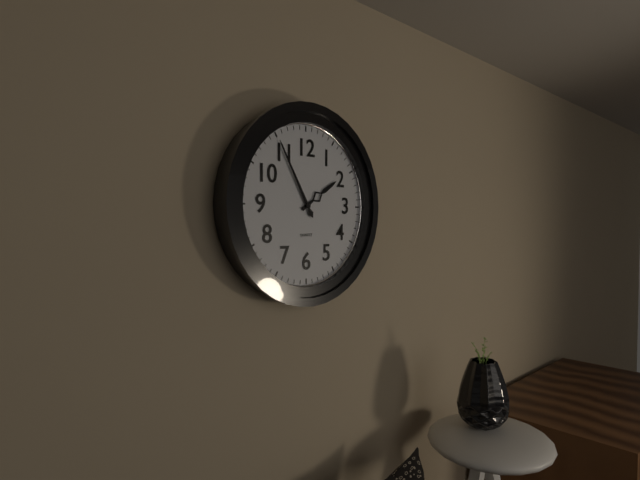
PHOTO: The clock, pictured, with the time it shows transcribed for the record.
1:55
